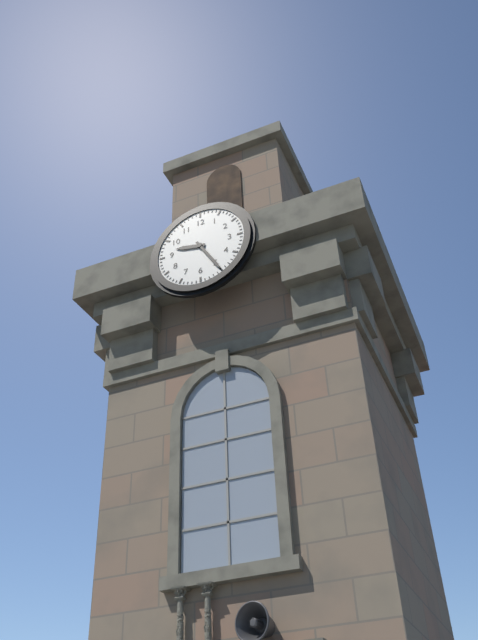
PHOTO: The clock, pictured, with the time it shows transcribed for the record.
9:25
